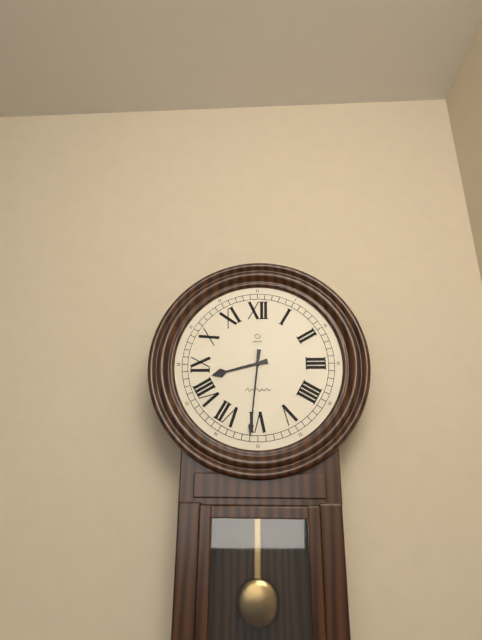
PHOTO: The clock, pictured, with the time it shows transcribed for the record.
8:31
